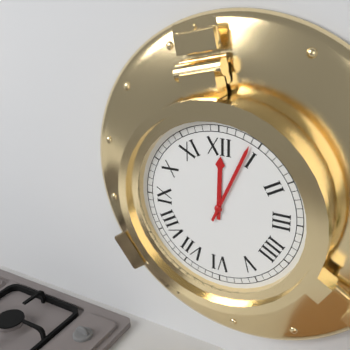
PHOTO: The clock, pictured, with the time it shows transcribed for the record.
12:04
